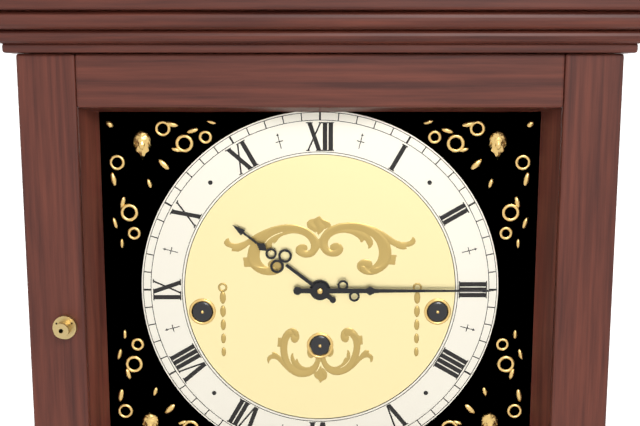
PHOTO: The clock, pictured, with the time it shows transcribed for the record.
10:15
